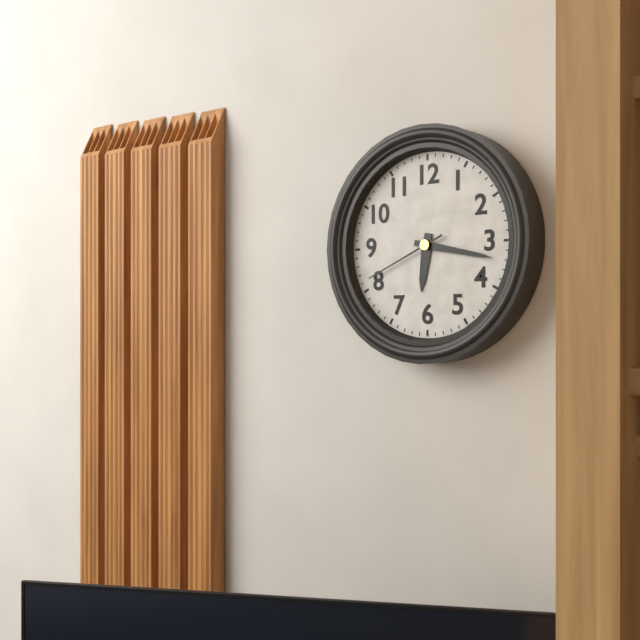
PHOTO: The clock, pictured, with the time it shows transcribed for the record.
6:17:41
